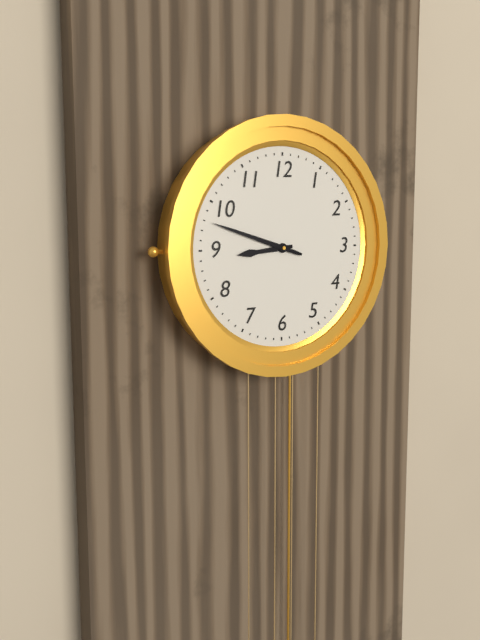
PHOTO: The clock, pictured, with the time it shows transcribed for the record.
8:48
